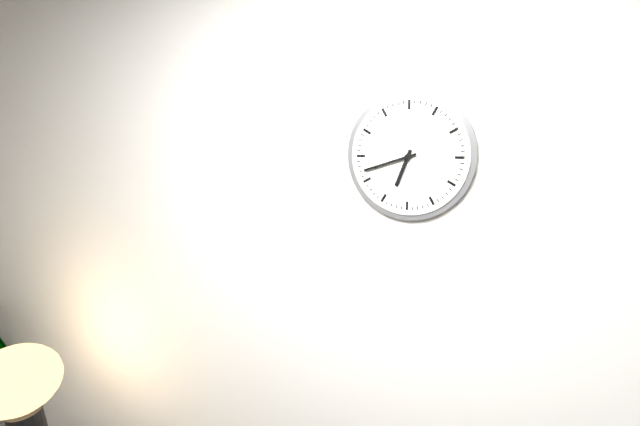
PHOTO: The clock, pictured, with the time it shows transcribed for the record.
6:42
